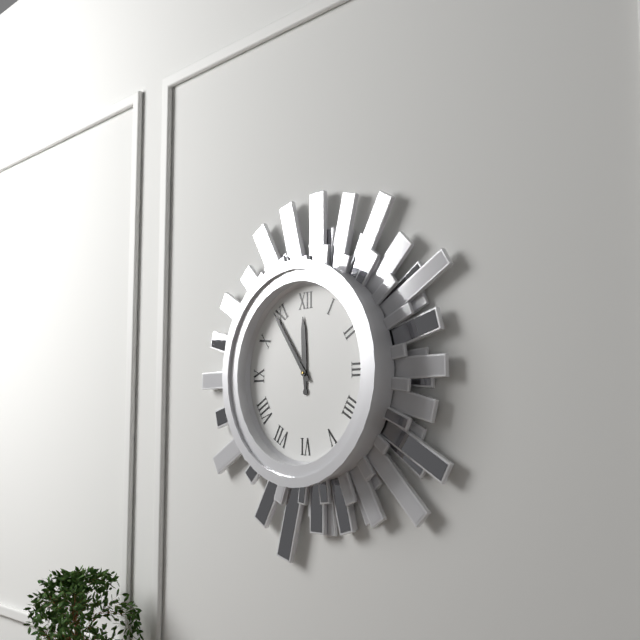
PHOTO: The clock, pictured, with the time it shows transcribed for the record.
11:54
